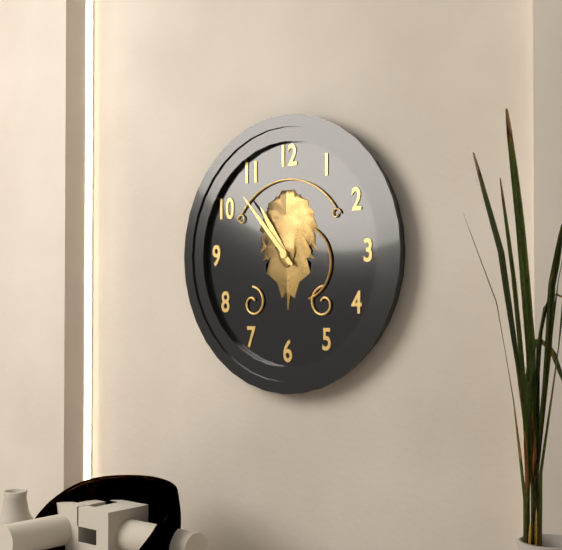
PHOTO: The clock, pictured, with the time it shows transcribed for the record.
10:53
